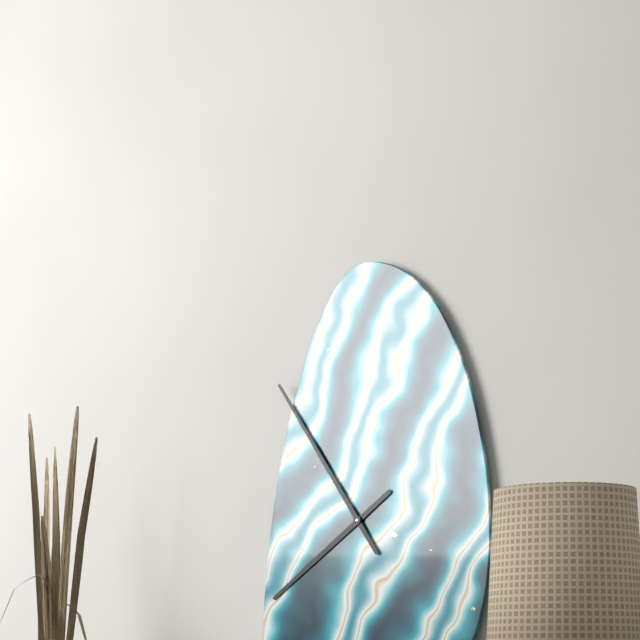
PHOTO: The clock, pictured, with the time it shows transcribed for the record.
7:54
